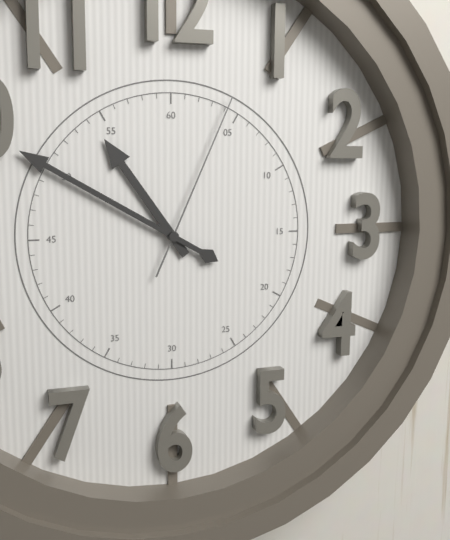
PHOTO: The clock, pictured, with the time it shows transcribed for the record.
10:50:04
